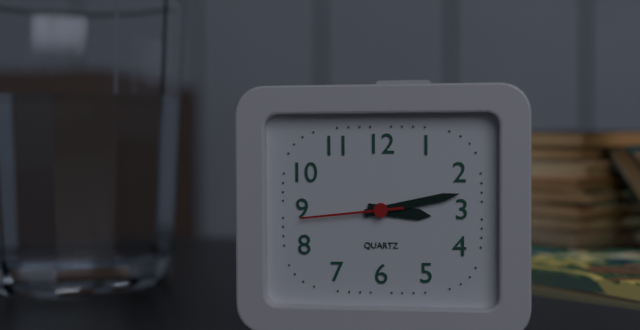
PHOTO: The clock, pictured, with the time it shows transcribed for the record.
3:13:44
